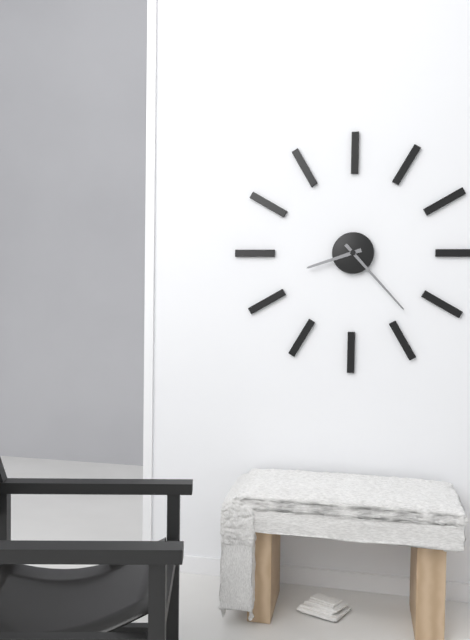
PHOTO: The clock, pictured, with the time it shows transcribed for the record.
8:23
